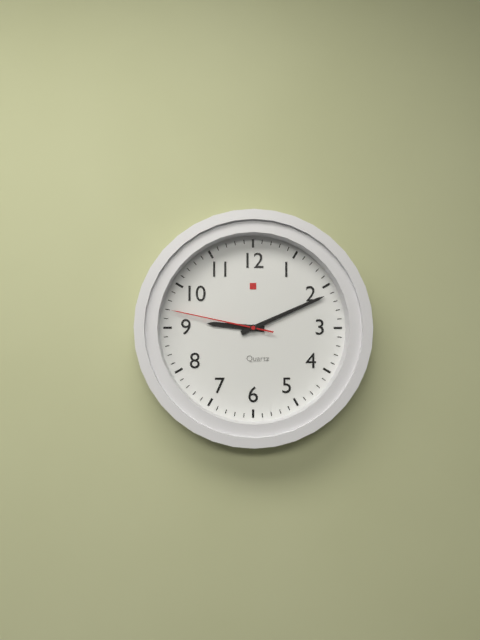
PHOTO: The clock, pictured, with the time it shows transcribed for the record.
9:11:47
